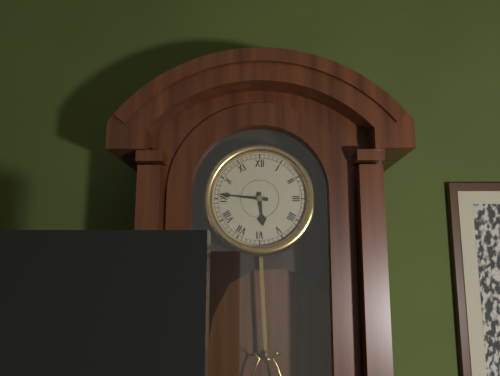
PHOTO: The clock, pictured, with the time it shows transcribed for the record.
5:46
